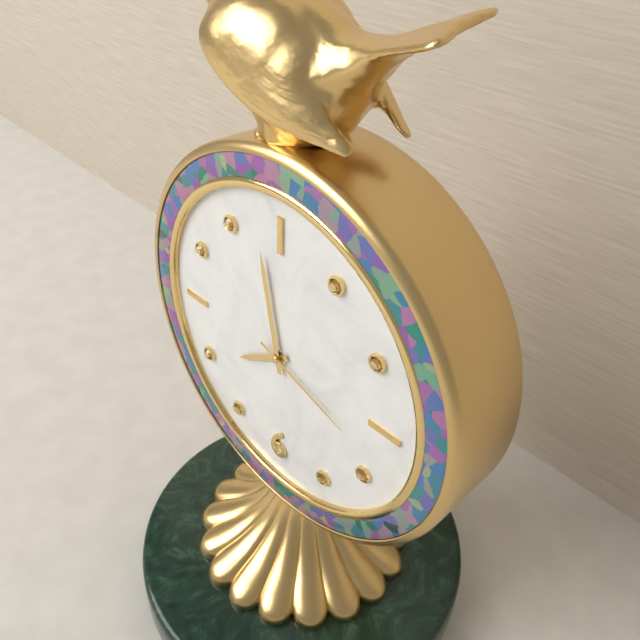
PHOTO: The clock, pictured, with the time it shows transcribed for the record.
7:58:18
